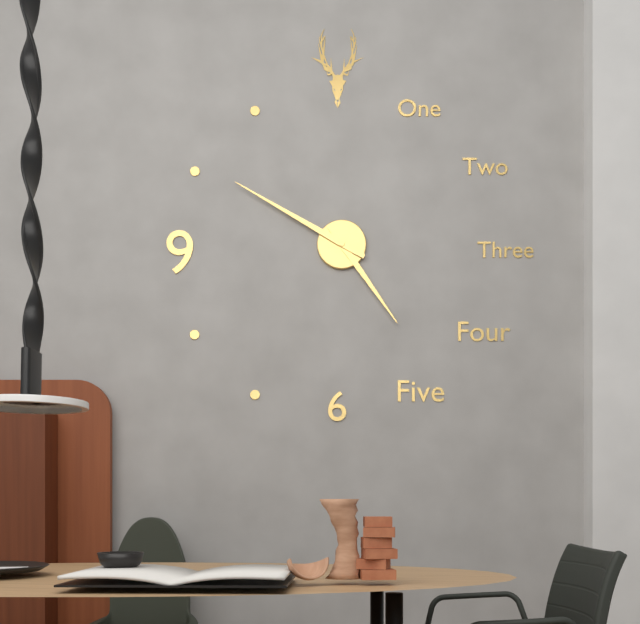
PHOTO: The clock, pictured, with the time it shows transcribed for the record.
4:50
